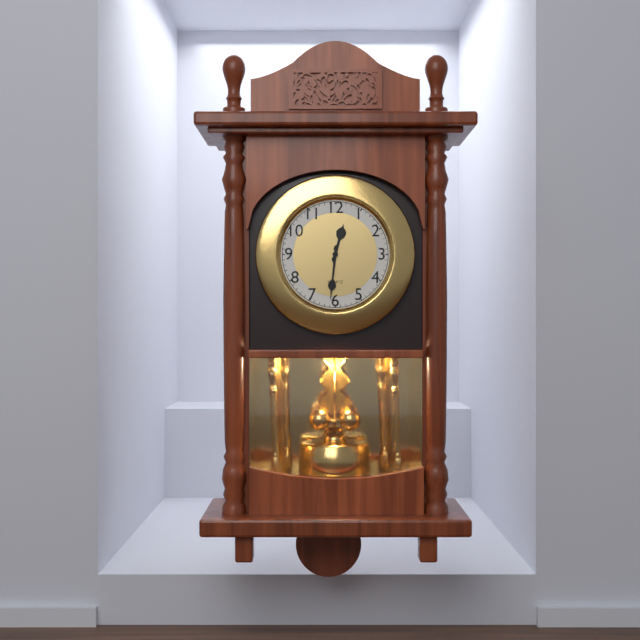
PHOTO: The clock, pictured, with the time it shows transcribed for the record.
12:31
